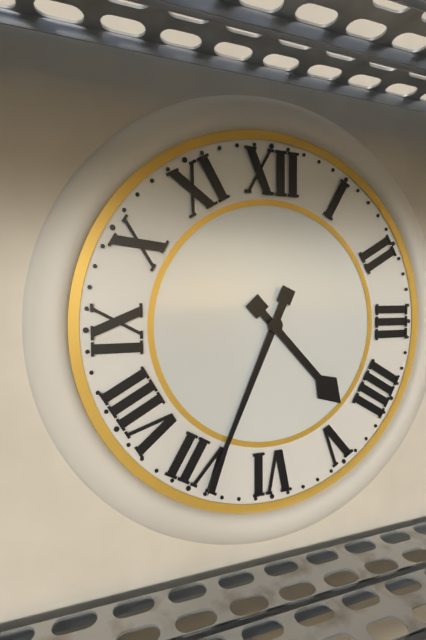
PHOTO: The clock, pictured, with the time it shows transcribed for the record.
4:34
